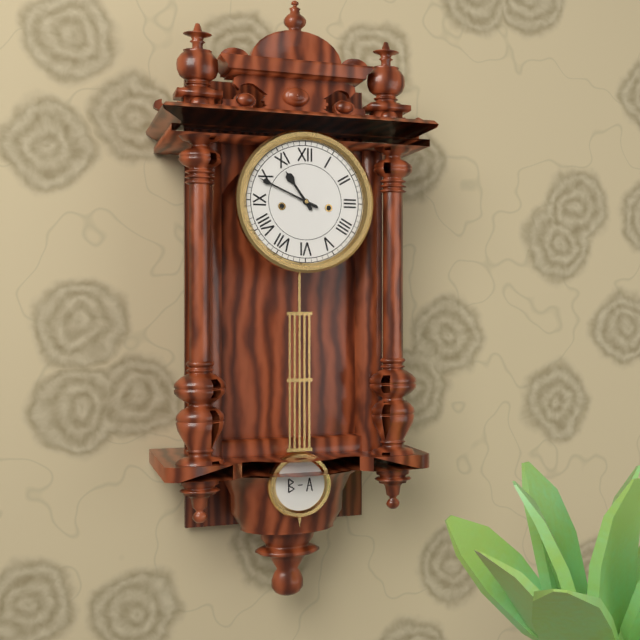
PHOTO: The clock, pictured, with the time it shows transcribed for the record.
10:49
